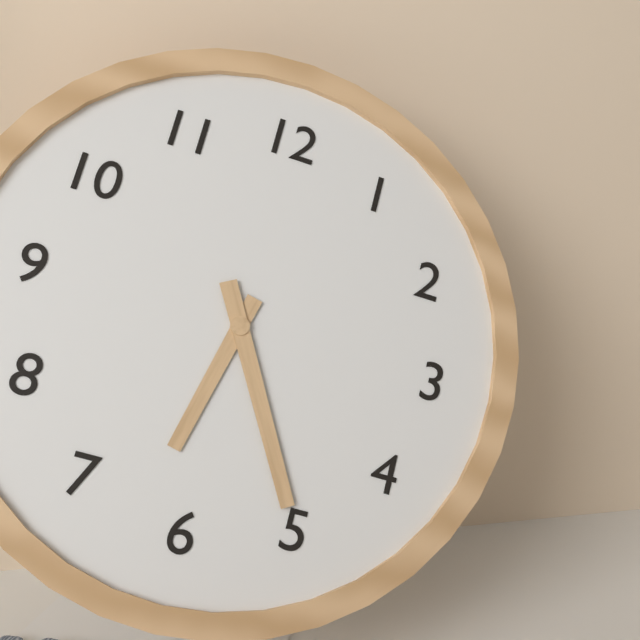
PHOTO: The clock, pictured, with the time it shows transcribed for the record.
6:25
